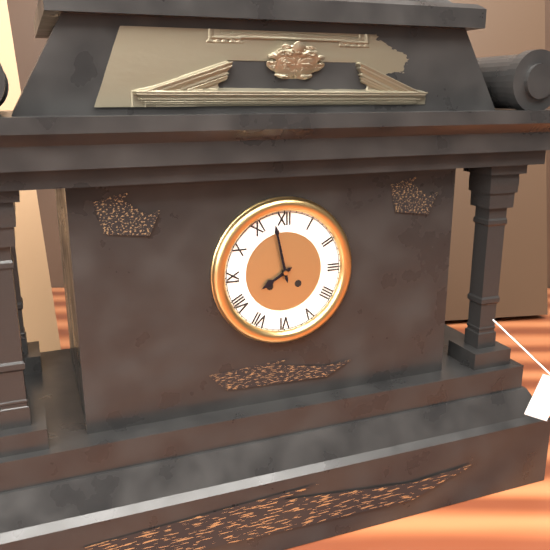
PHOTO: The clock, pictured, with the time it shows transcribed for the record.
7:58
